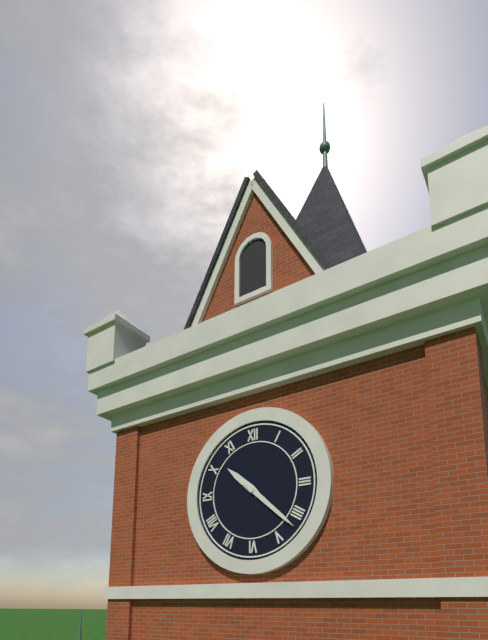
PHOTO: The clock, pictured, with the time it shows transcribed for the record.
10:22
